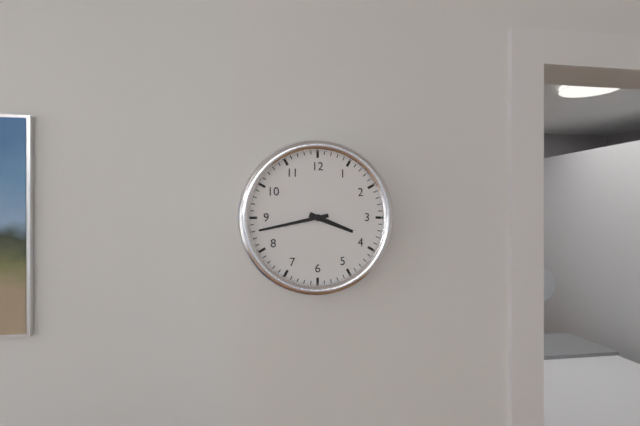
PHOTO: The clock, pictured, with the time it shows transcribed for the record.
3:43
